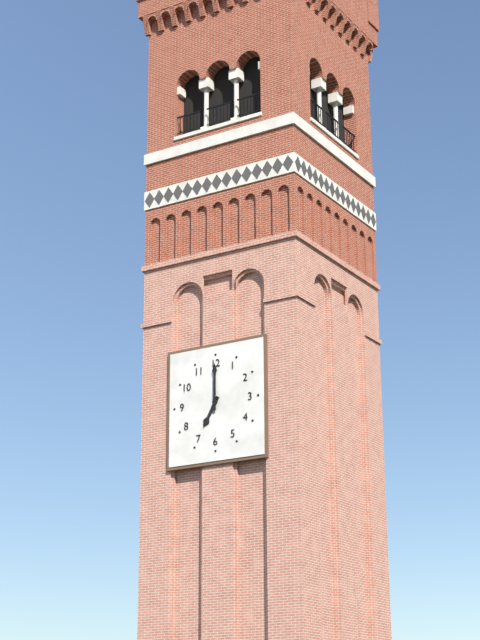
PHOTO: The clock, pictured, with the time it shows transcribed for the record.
7:00
